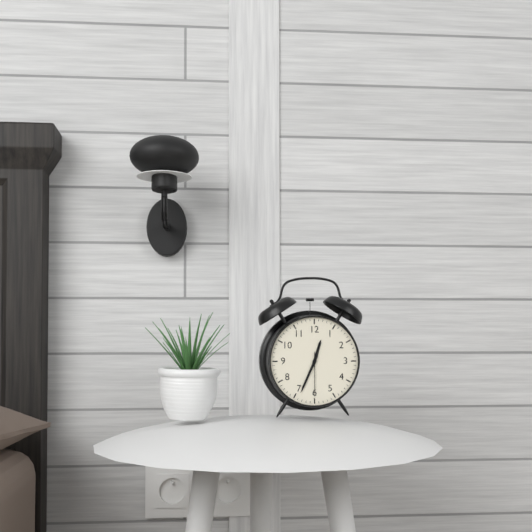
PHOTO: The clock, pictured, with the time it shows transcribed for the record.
12:34
